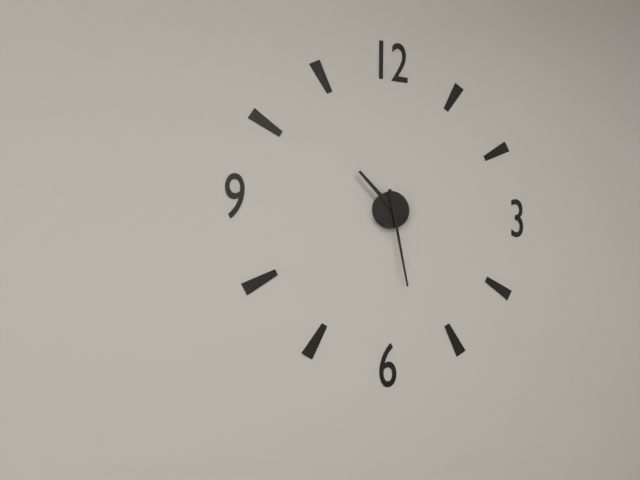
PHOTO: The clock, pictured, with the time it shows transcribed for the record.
10:28
